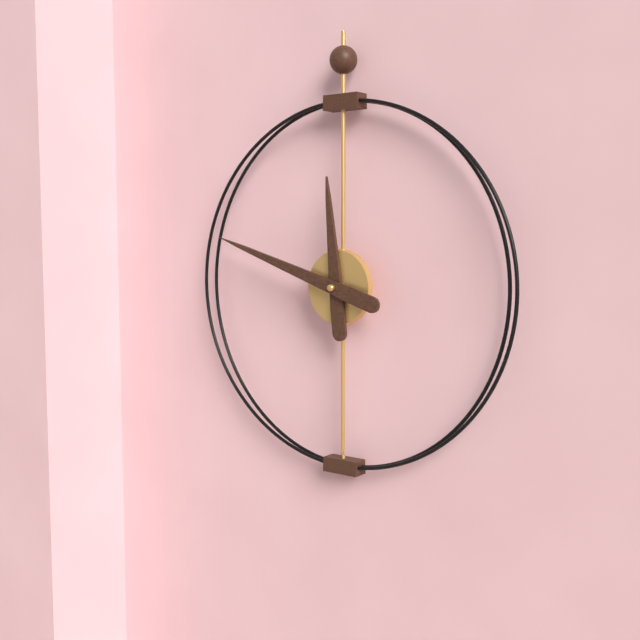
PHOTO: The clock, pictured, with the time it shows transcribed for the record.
11:48
